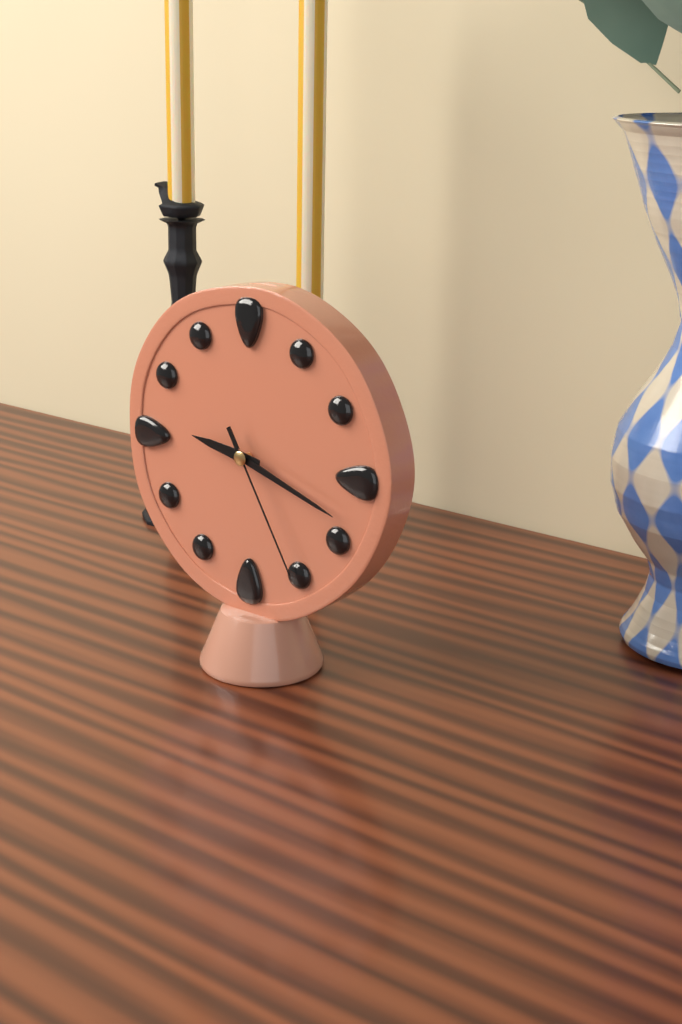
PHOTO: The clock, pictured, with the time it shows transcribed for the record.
9:18:25
